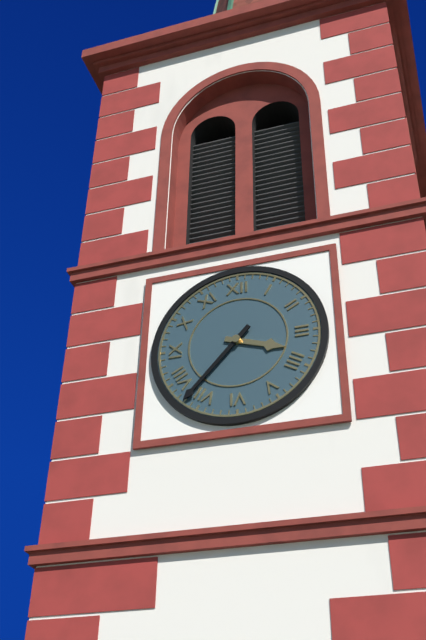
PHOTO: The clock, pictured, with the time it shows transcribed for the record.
3:37
